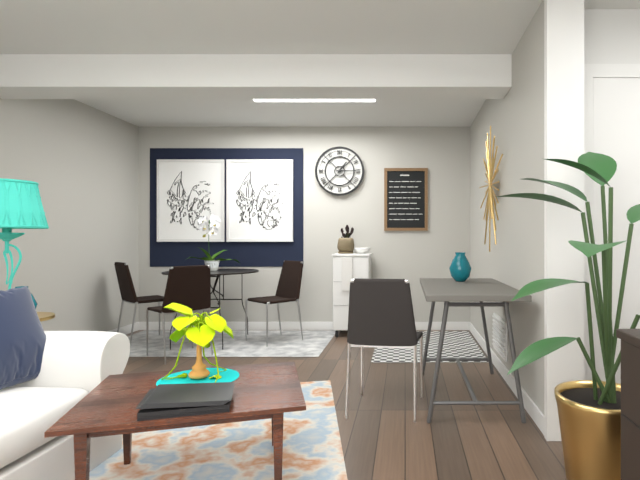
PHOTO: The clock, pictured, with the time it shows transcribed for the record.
1:15
